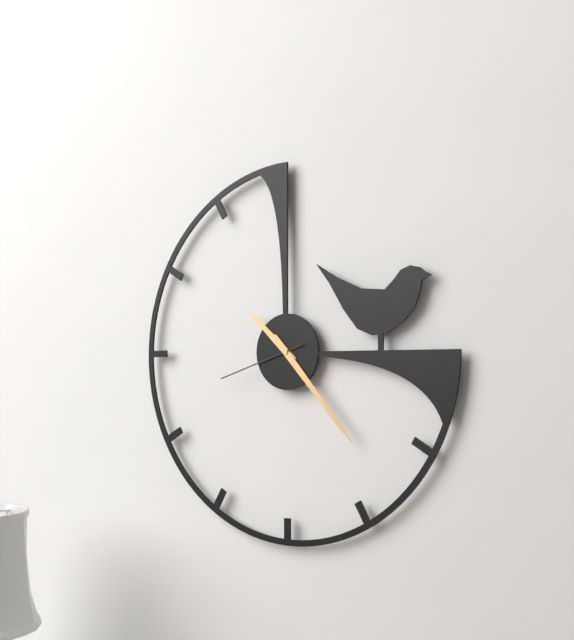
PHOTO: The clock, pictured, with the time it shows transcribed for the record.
10:23:42
